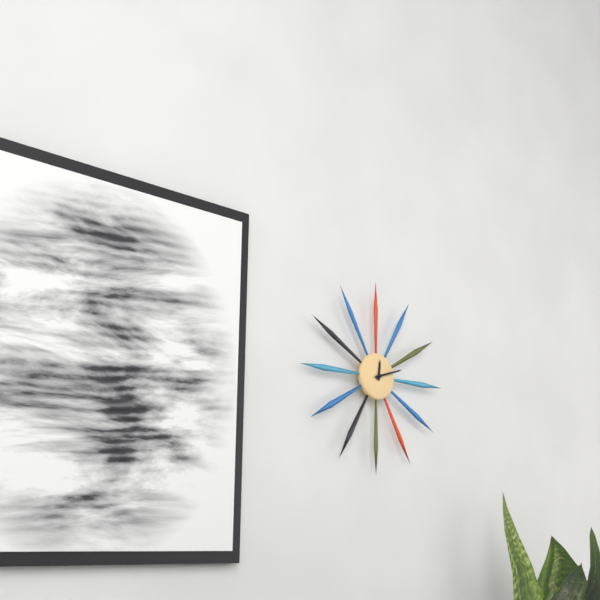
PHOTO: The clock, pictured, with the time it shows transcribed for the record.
12:12
